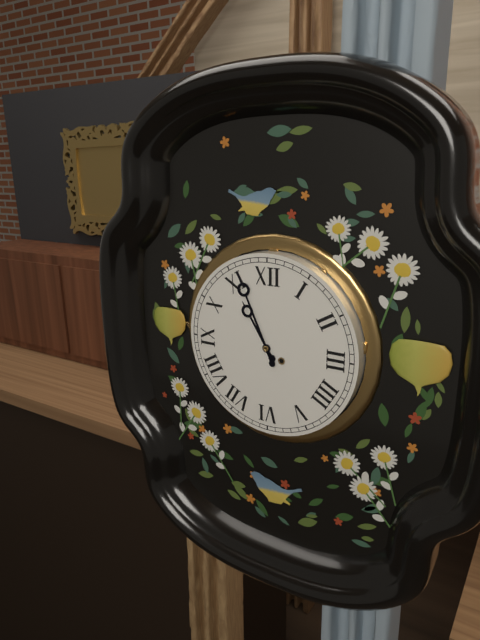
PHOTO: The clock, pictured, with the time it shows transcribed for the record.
10:56
